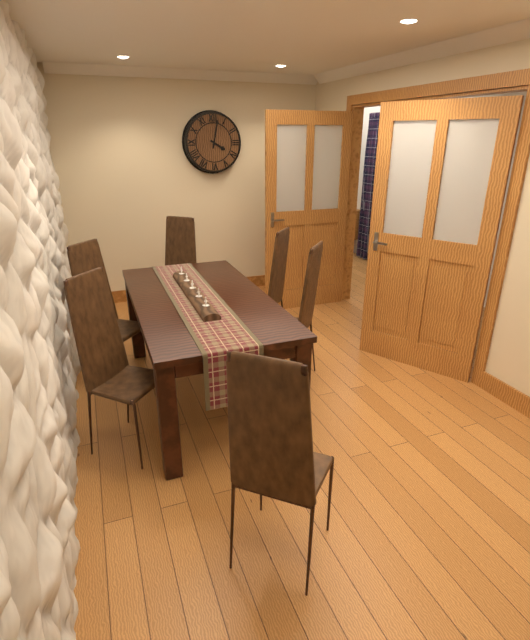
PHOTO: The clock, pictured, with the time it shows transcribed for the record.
4:02
